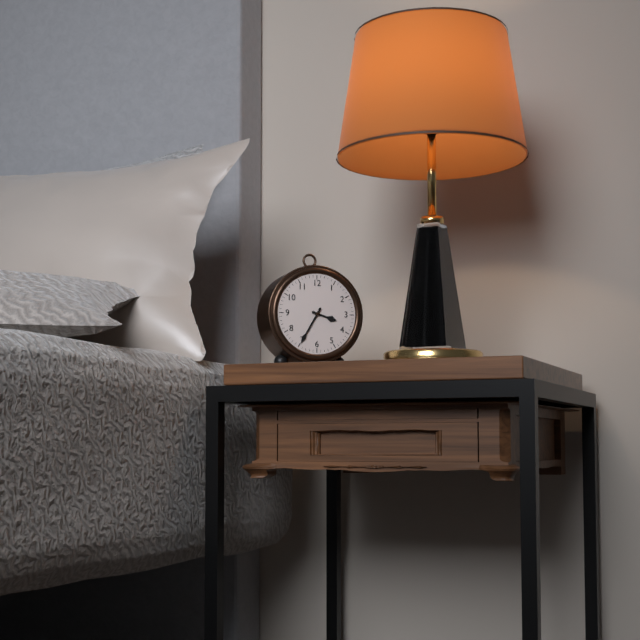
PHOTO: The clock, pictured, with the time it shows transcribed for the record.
3:35
